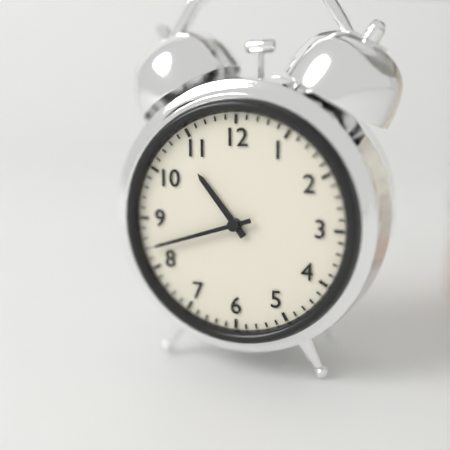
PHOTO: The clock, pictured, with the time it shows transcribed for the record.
10:42
